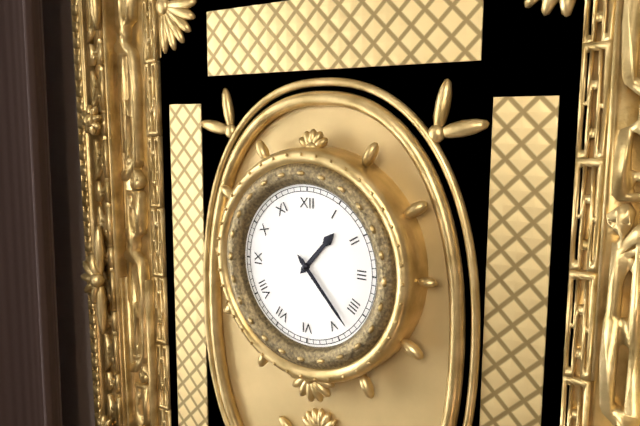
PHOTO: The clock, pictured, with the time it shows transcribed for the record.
1:23
